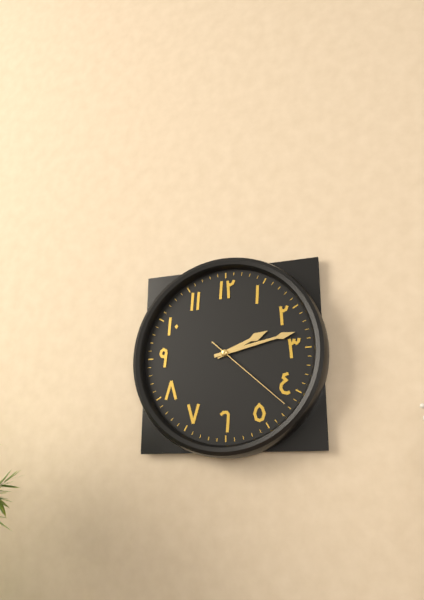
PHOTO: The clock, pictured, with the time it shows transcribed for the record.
2:13:22
